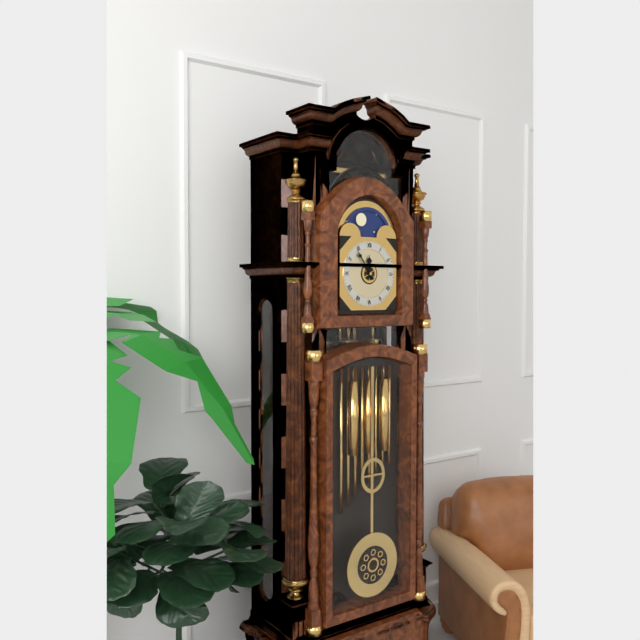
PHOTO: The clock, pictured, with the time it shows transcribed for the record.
11:54
